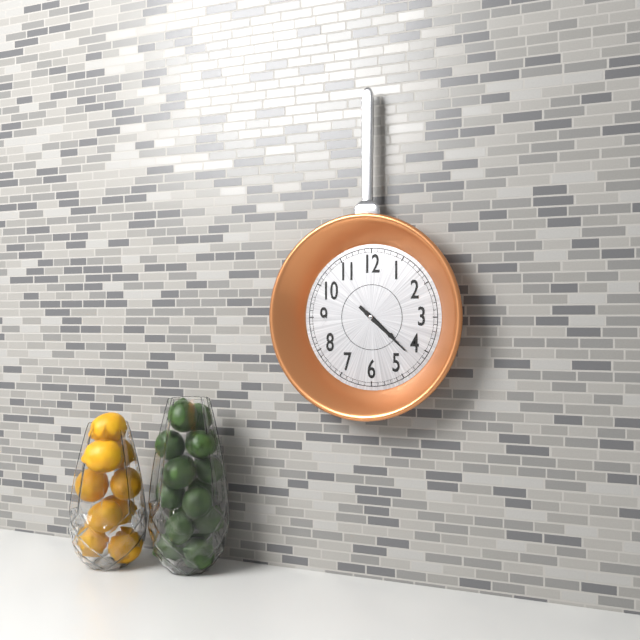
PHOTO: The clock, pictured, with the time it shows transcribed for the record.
4:22
